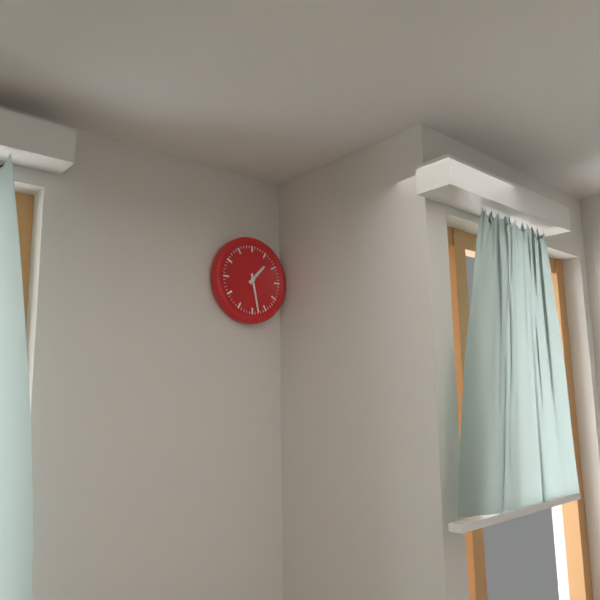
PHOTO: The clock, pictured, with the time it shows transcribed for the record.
1:28
